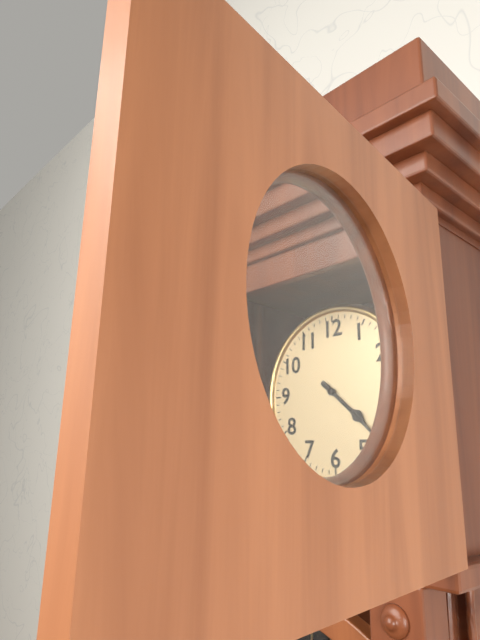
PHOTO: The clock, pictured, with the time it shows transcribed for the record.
4:22
